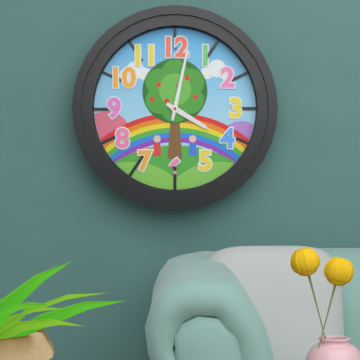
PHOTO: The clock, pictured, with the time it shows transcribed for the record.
4:02
